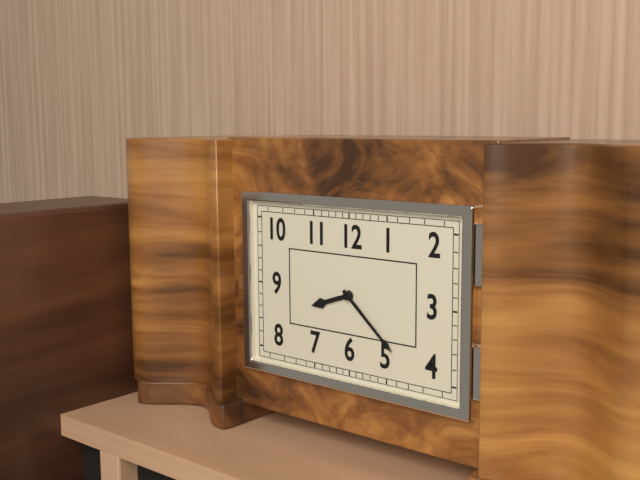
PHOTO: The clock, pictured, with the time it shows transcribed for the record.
8:22
